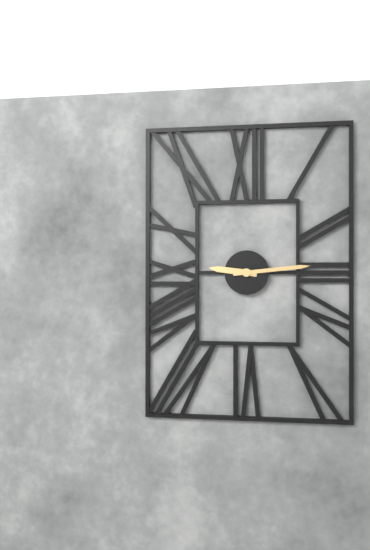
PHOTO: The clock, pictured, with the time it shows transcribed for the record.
9:14
